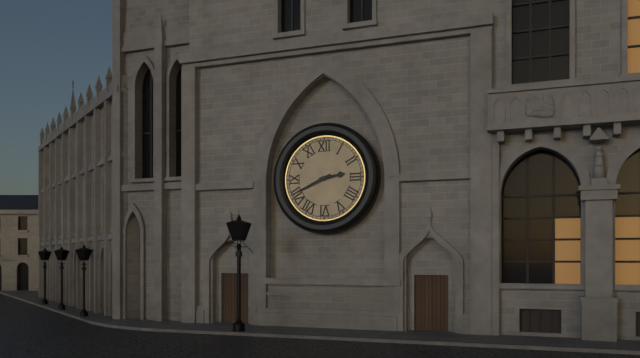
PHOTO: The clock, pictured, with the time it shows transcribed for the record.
2:41
